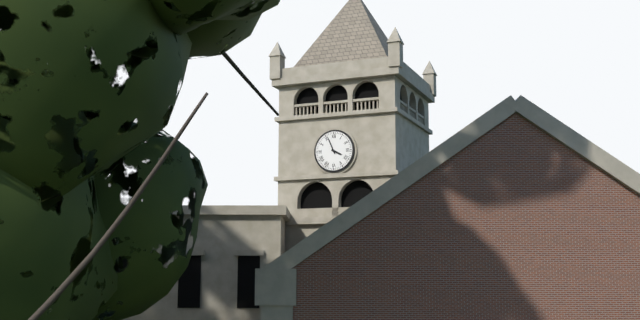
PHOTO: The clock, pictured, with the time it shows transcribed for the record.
3:56
